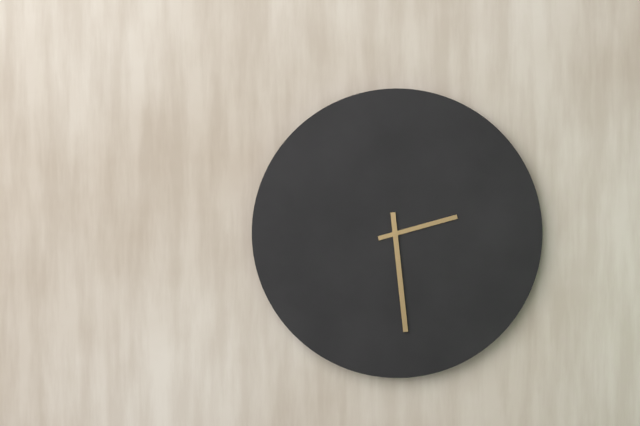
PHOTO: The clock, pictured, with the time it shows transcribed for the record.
2:29
